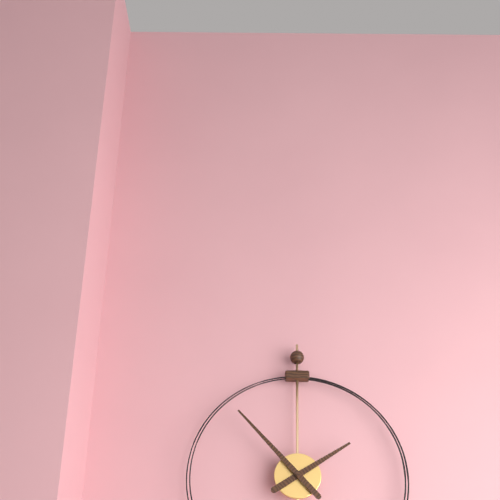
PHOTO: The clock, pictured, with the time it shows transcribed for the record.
1:53
